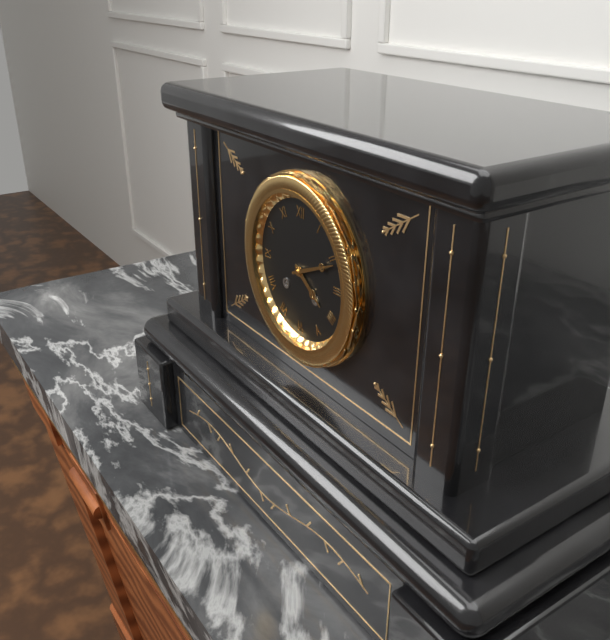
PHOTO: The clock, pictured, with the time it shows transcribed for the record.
4:11
